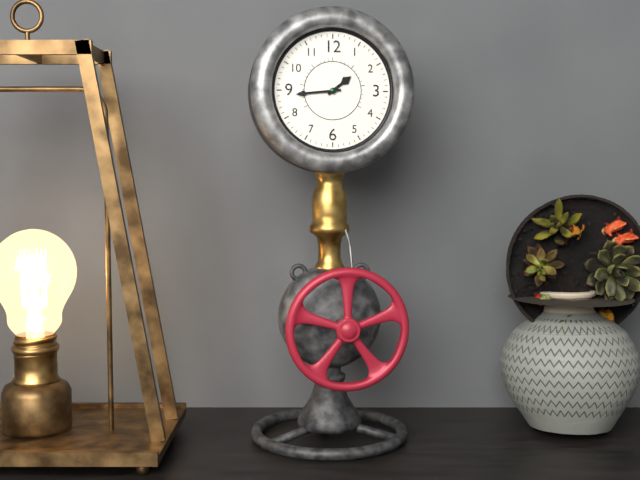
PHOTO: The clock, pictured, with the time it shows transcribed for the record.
1:44
